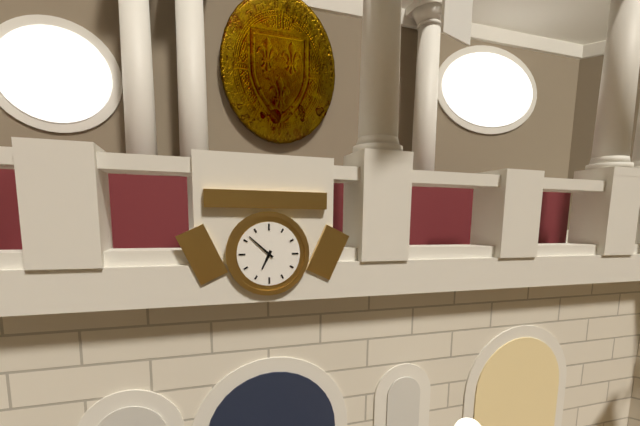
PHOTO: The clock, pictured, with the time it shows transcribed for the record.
6:52
